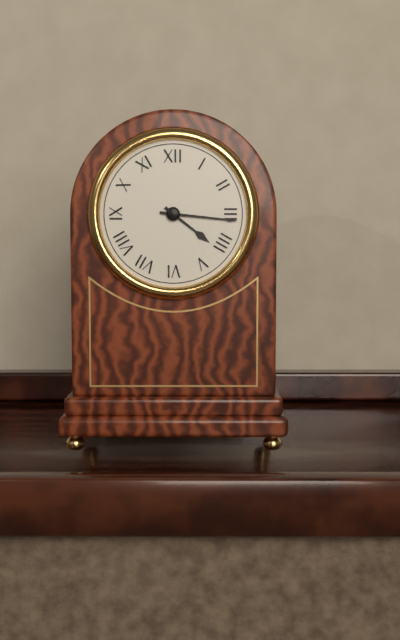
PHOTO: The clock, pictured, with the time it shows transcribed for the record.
4:16
